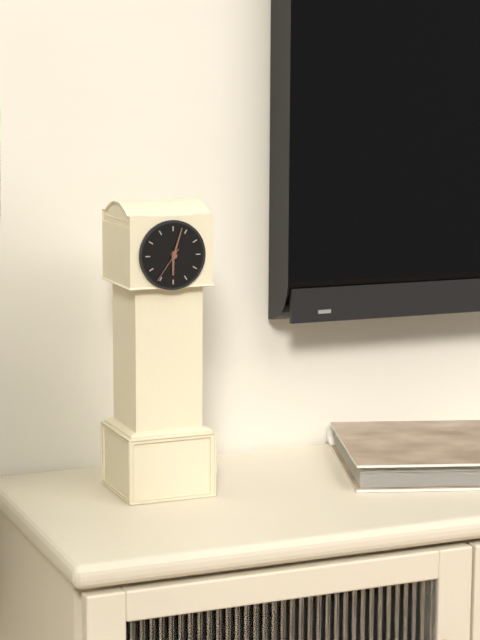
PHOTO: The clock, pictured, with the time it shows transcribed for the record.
6:03
